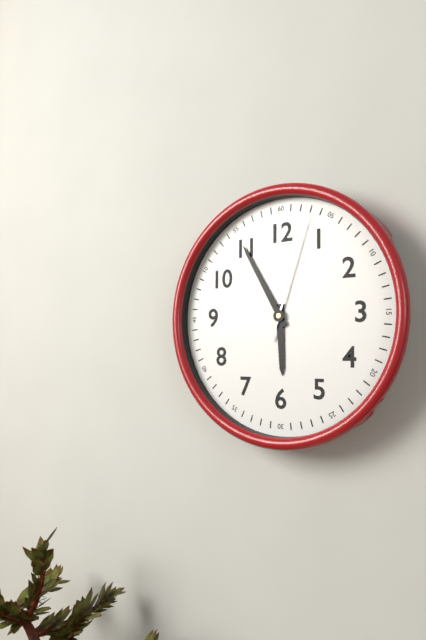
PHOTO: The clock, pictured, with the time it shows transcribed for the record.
5:55:03
